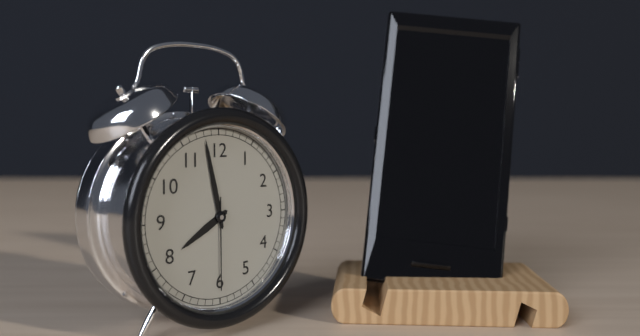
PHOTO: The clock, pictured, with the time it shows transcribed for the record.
7:58:30
